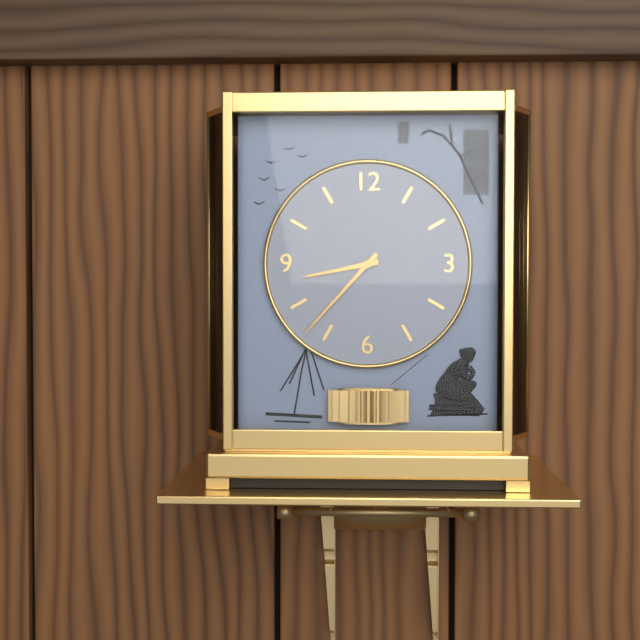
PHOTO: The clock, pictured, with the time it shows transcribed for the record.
8:37
